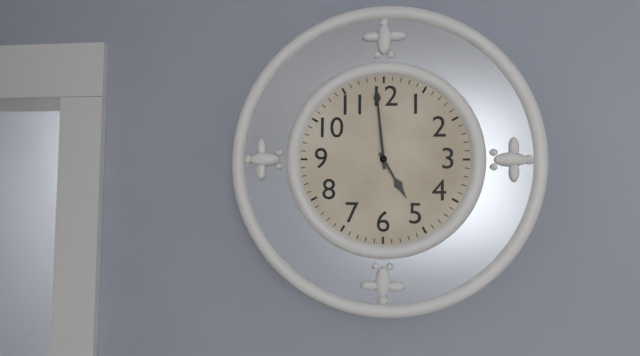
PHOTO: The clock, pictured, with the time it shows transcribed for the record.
4:59
